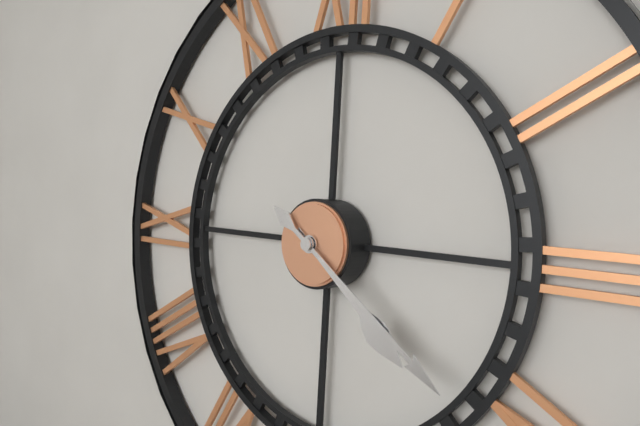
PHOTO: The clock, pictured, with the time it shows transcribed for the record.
4:21
